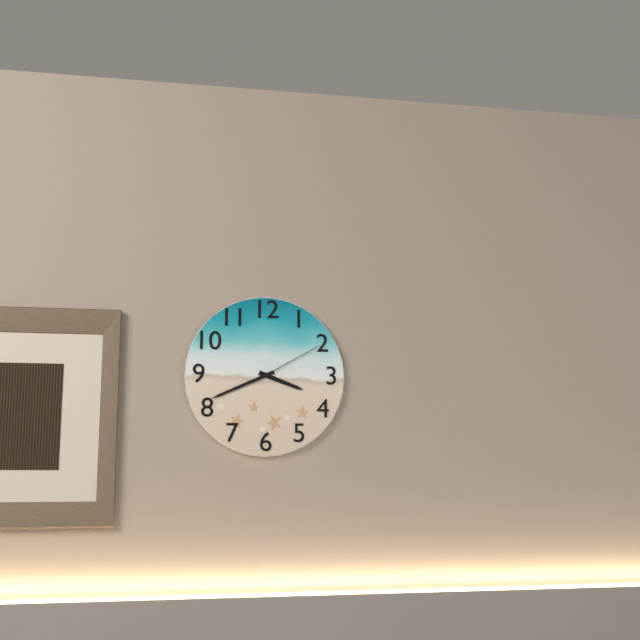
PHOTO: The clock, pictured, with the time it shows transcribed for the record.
3:41:10
